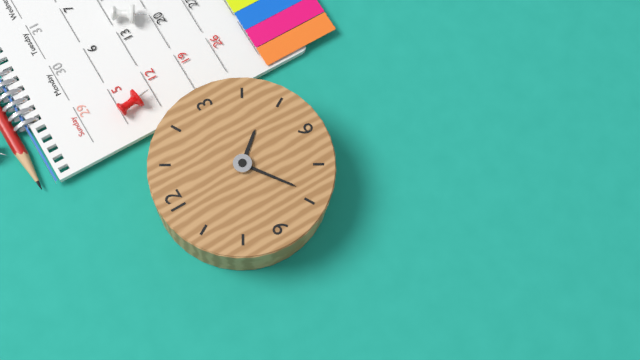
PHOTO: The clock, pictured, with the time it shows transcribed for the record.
4:39
